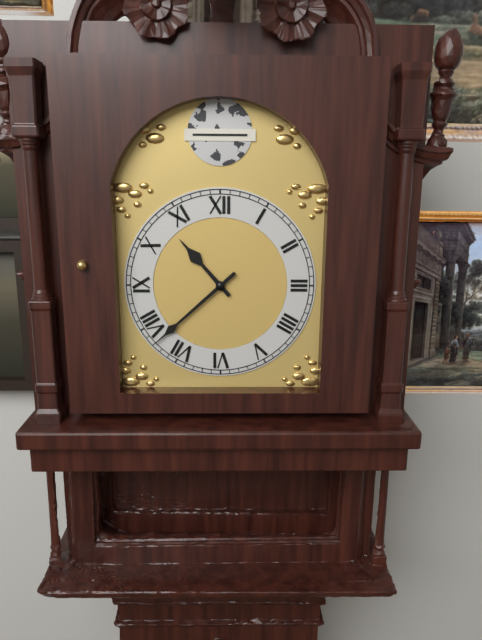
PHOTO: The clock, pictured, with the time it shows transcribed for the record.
10:38
